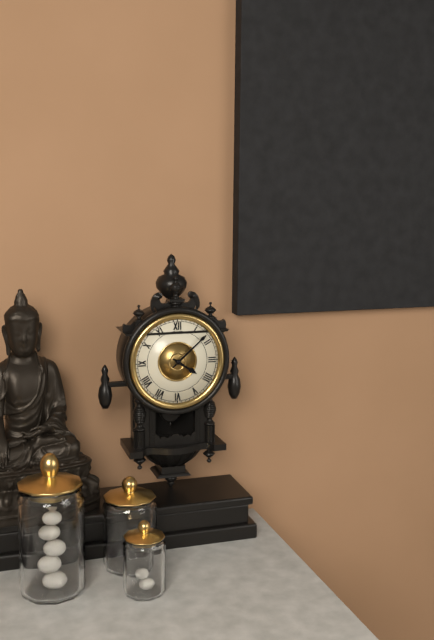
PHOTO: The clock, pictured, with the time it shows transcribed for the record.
4:08
